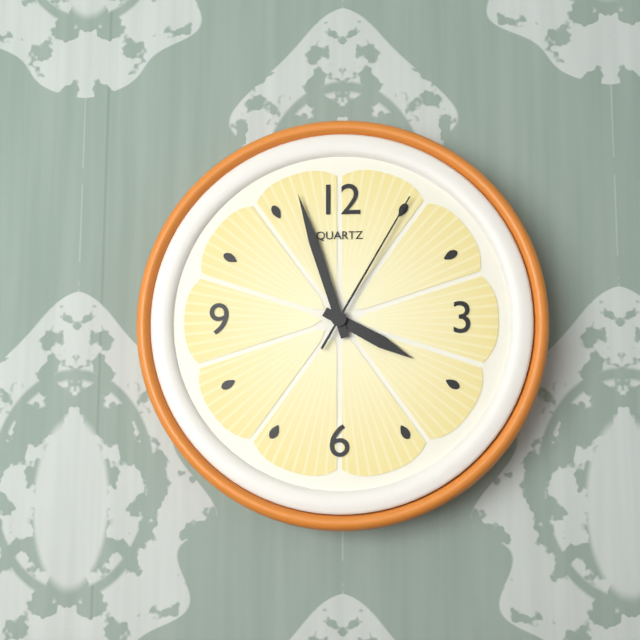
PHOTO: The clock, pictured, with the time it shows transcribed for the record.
3:57:05
